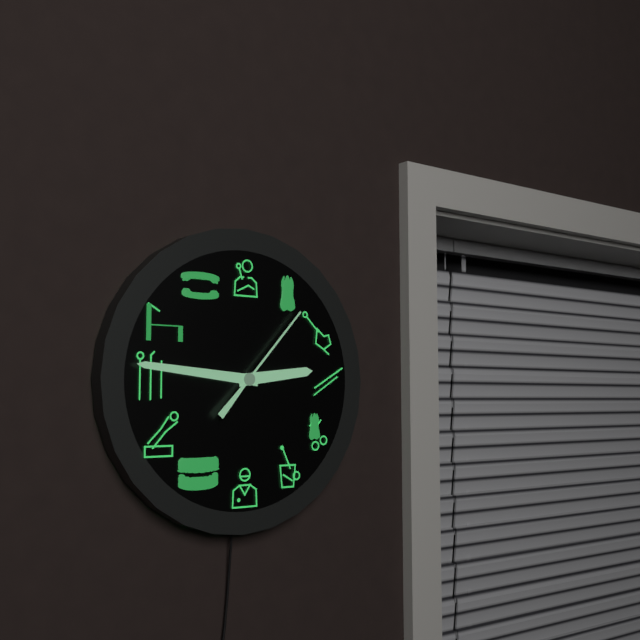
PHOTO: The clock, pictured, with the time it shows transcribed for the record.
2:46:07
